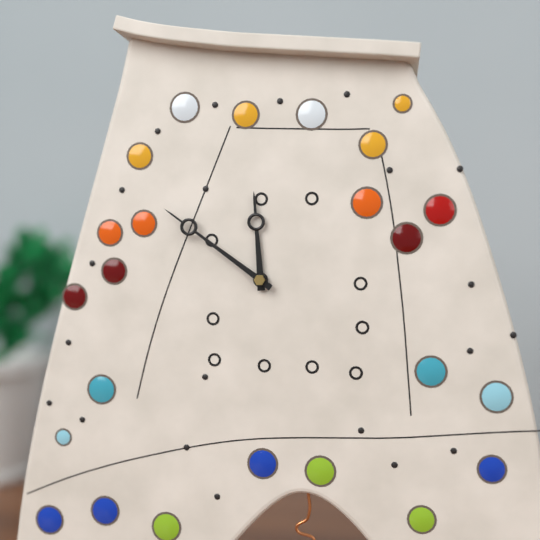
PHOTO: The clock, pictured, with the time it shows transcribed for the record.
11:51
